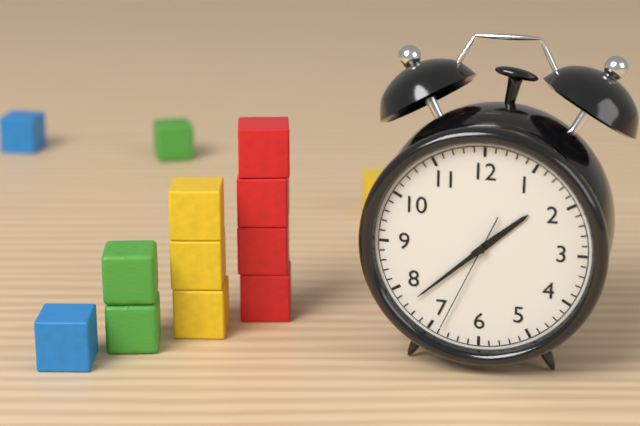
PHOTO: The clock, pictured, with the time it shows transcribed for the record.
1:38:34
